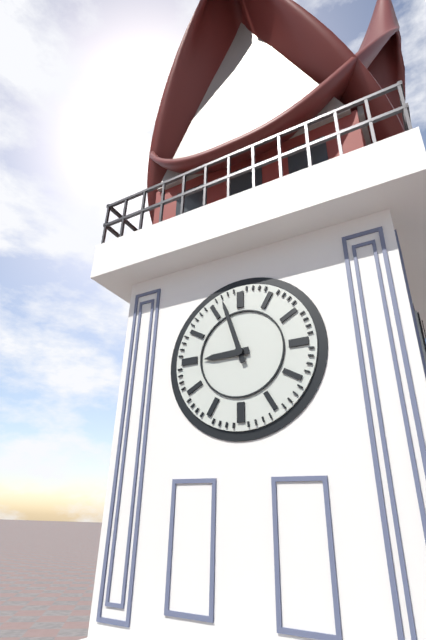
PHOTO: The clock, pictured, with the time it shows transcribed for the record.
8:57
